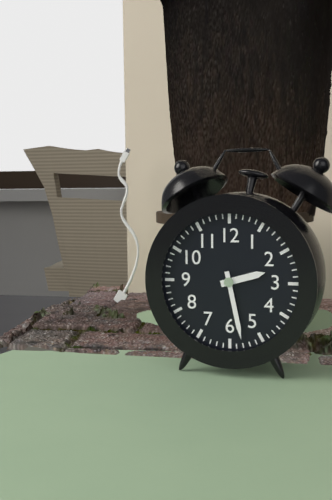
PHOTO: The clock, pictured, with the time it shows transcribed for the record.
2:28
